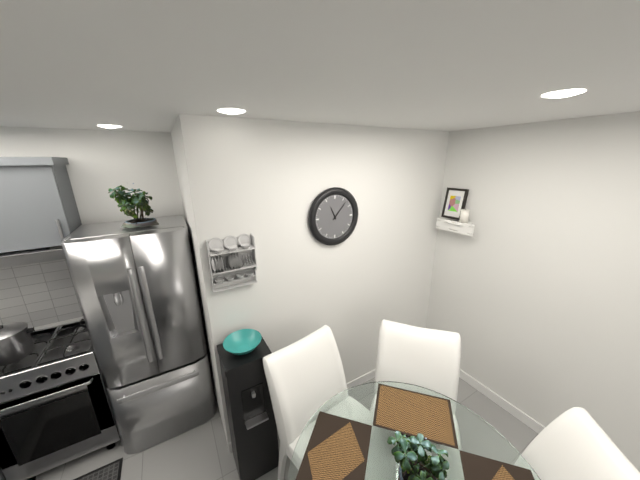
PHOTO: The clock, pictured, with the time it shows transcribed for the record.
11:07
